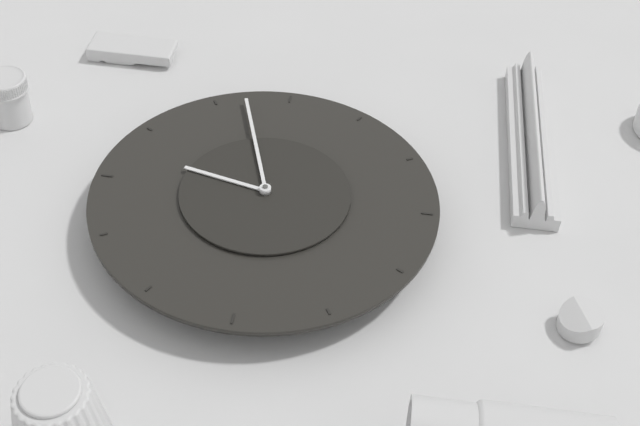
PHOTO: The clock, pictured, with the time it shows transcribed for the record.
3:27
